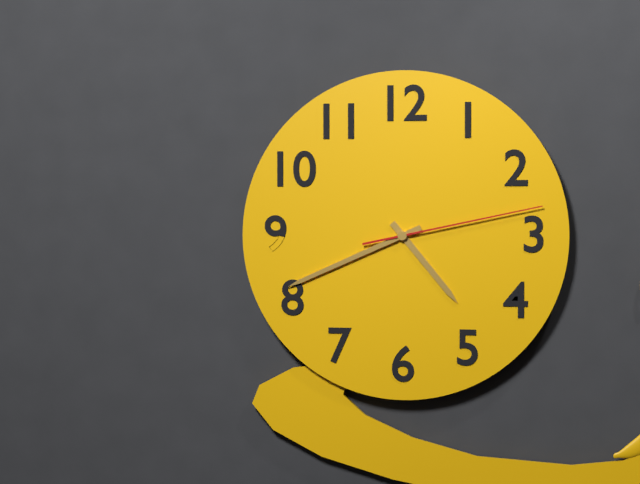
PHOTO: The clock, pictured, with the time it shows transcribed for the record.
4:41:13
